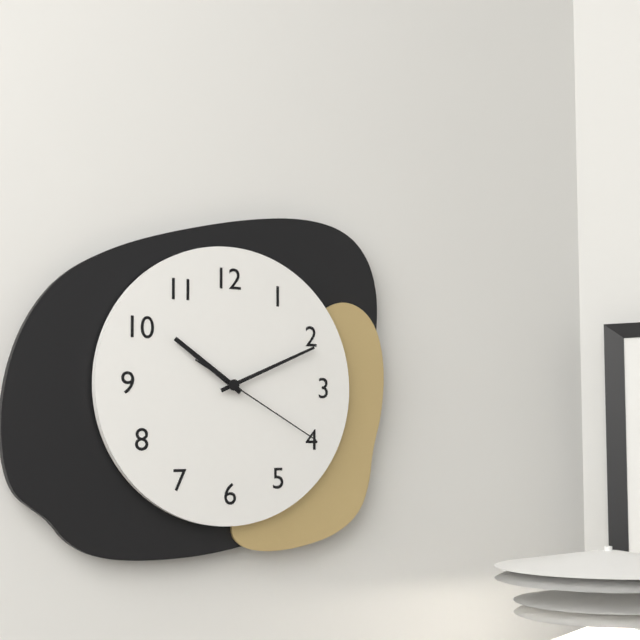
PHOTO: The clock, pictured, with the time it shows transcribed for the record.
10:11:20
